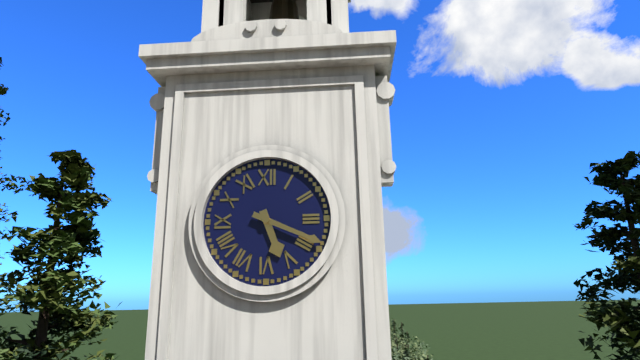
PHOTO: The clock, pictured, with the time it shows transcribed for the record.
5:19
